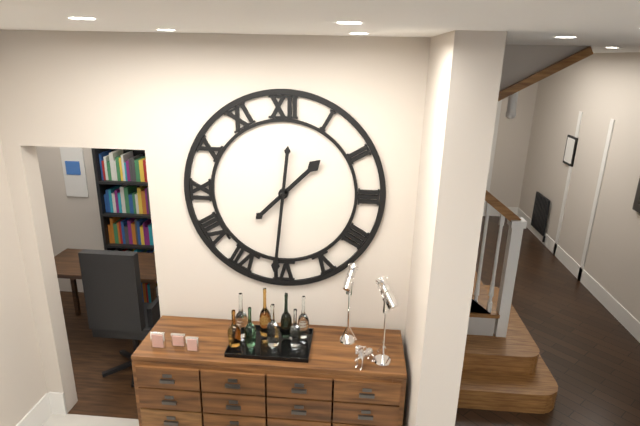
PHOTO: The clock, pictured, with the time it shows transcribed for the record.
1:31
